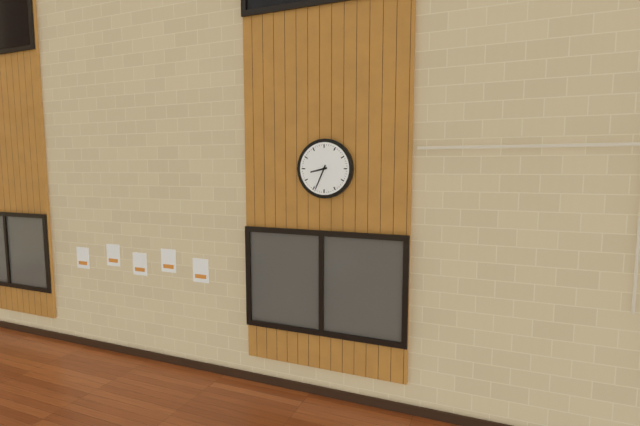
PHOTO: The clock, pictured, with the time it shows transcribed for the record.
8:34
